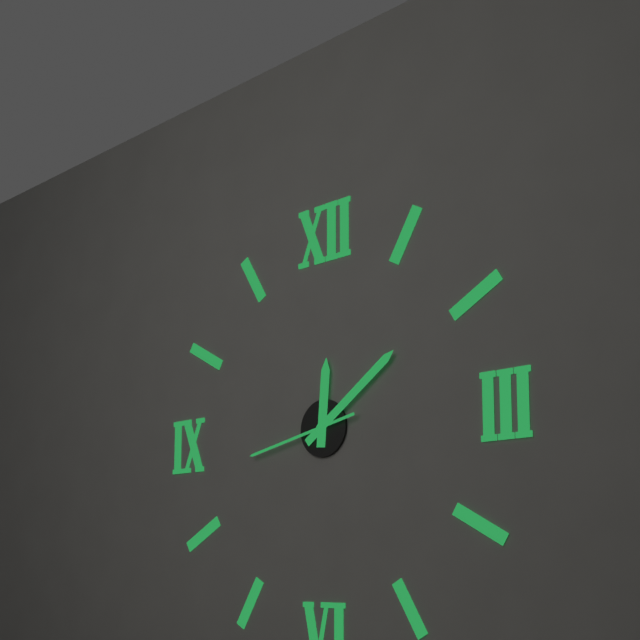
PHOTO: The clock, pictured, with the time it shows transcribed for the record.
12:09:43
